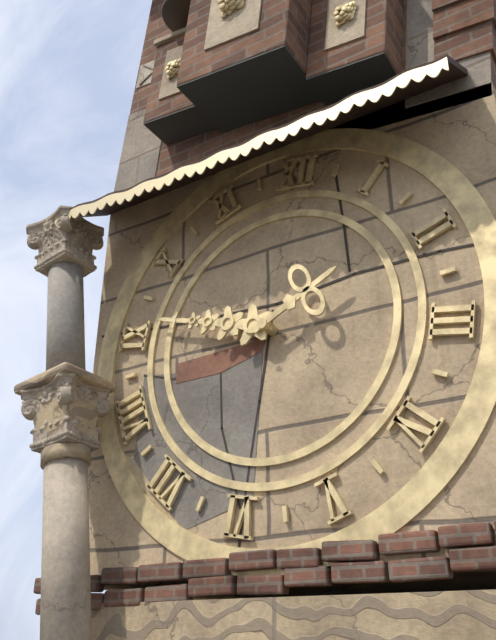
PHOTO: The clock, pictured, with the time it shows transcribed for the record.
1:46
